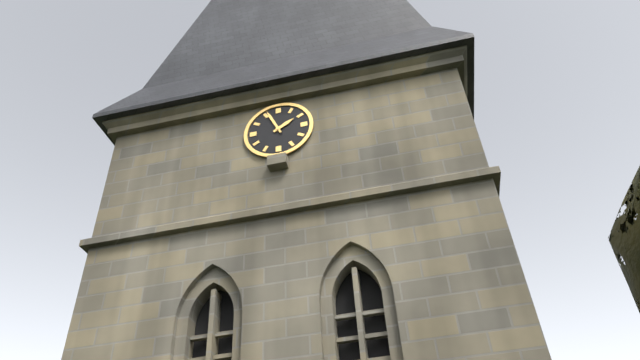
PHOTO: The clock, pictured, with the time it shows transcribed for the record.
1:56
